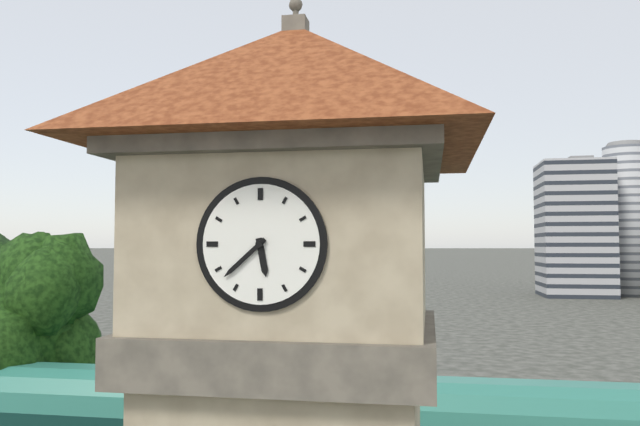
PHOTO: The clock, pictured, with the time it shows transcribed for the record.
5:38
